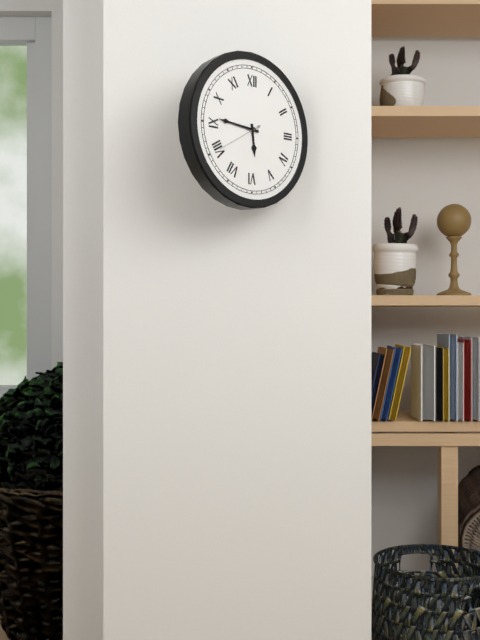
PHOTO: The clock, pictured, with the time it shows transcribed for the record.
5:46
